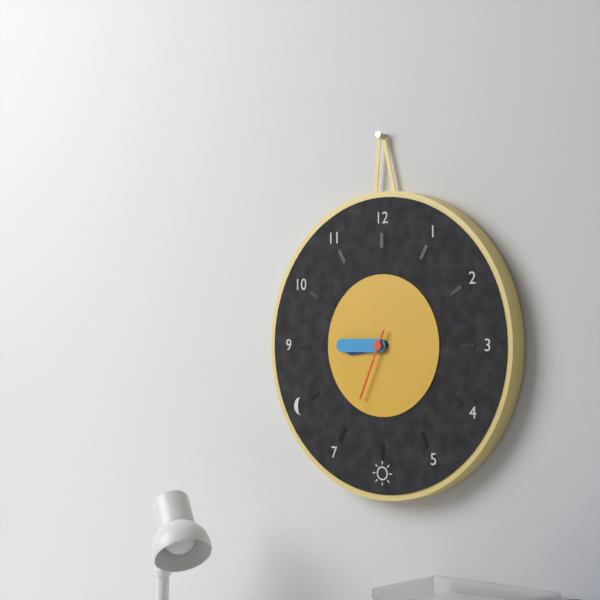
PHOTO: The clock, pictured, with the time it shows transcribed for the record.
8:45:34
